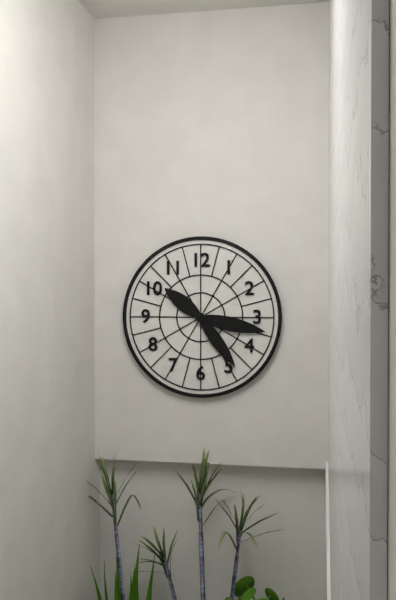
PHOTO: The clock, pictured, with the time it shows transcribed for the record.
10:17:24
